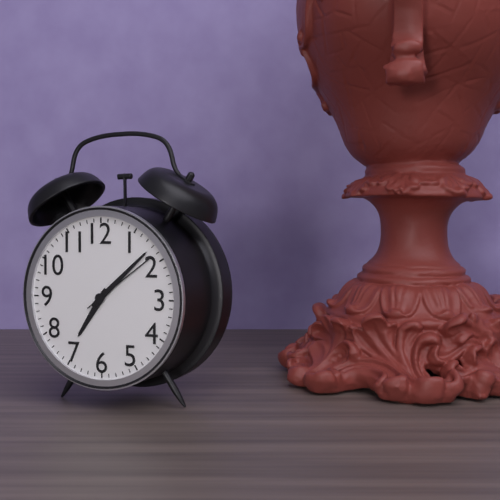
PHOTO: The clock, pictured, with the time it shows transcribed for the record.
7:08:09
